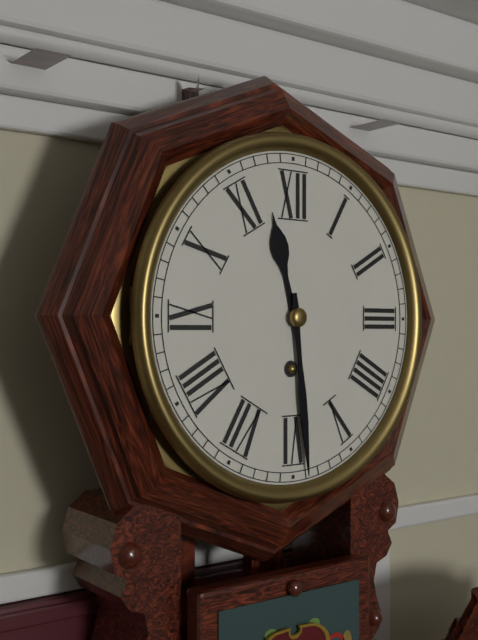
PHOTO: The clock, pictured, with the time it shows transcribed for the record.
11:29
